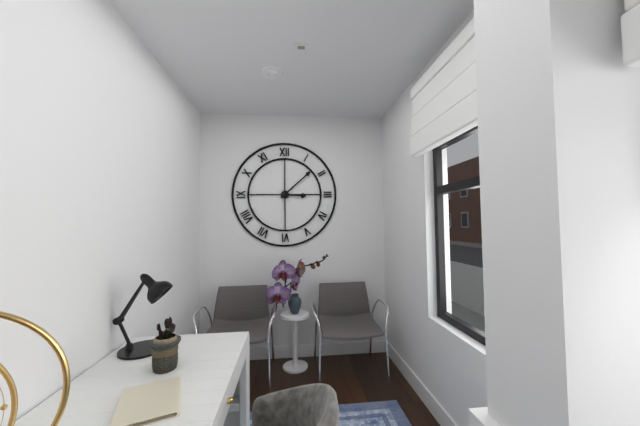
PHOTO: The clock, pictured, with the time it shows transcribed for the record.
3:08
